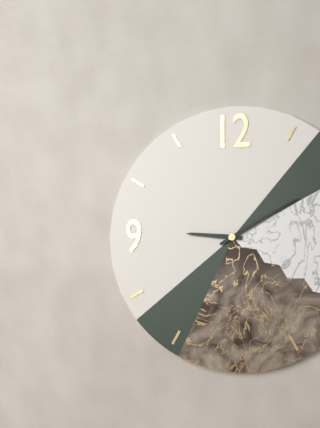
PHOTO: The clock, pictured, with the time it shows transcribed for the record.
9:10
